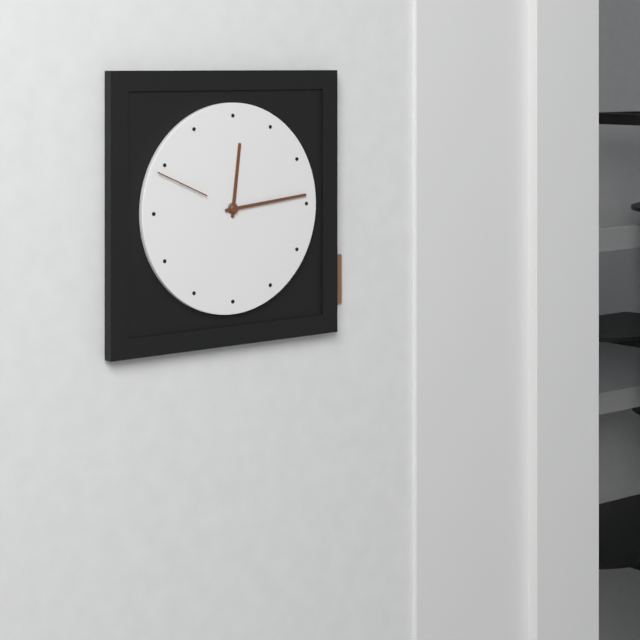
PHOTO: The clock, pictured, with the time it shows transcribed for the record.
12:14:49
